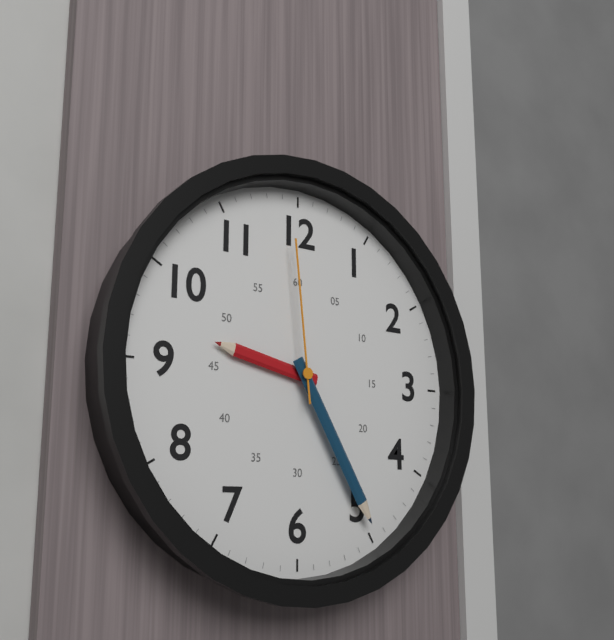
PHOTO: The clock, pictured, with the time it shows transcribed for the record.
9:25:59
